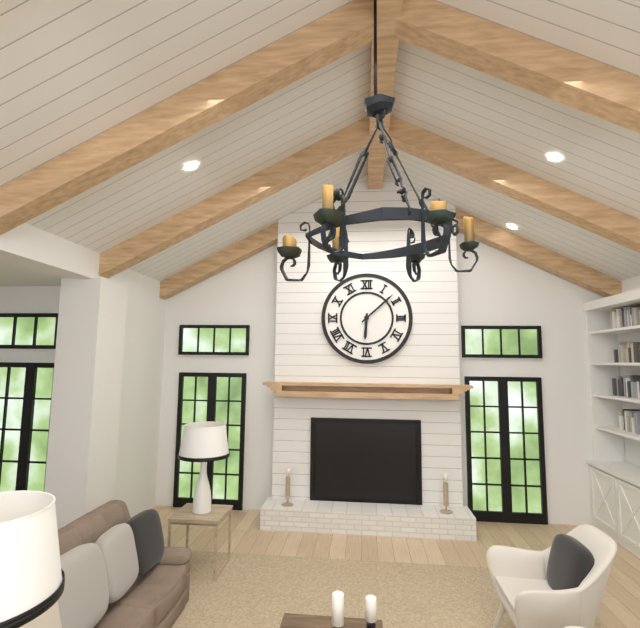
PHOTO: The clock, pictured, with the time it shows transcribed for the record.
6:08
